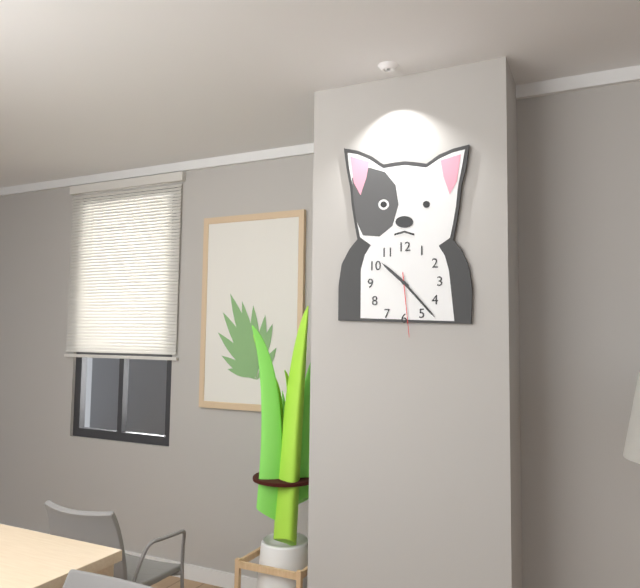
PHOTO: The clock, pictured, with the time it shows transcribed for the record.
10:23:29
